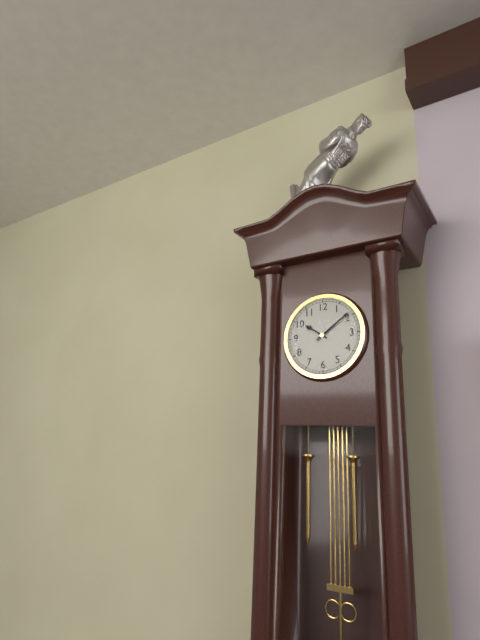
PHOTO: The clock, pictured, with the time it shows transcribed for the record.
10:09
